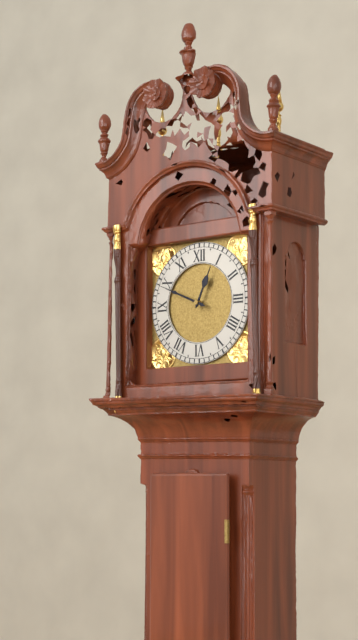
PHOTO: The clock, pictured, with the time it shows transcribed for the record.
12:49
